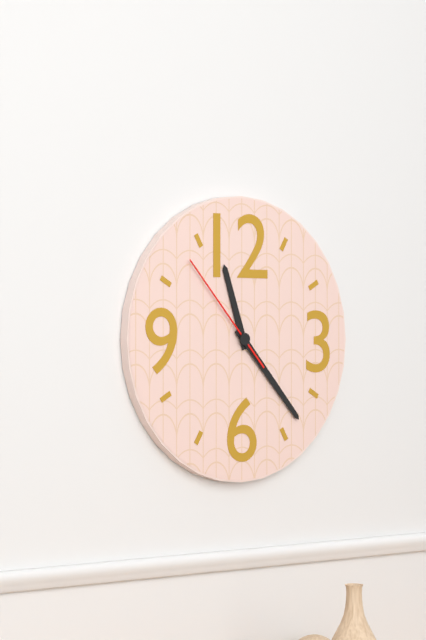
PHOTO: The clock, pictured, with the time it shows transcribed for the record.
11:23:53
